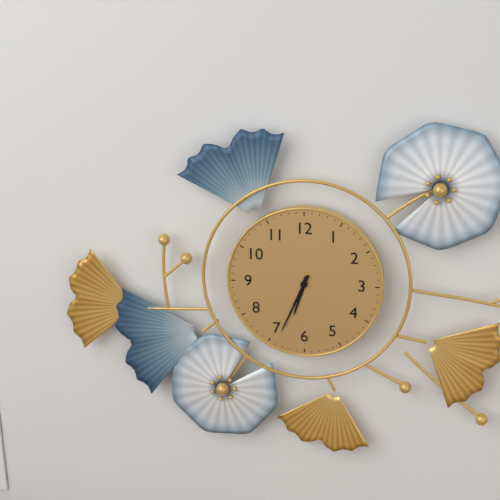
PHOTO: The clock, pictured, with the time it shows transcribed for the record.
6:34
